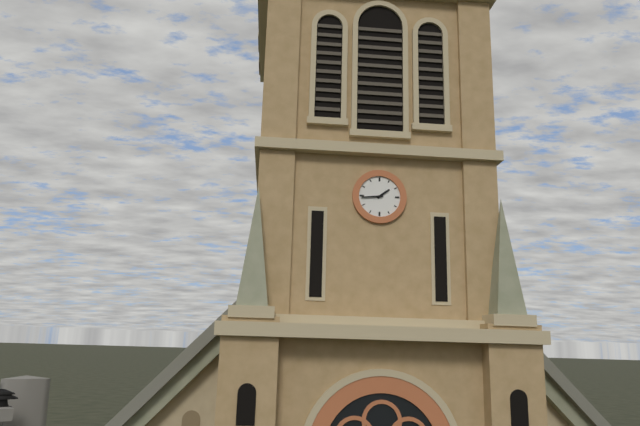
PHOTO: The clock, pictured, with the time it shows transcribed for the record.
1:44
